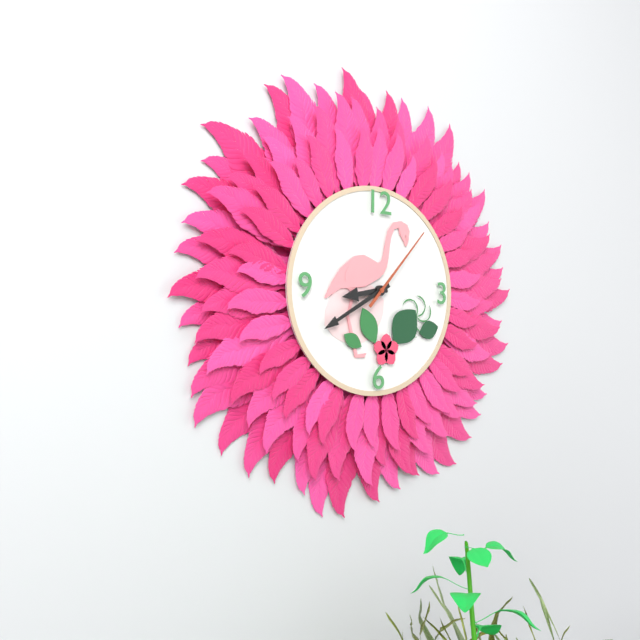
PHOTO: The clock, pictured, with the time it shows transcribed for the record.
8:40:07
